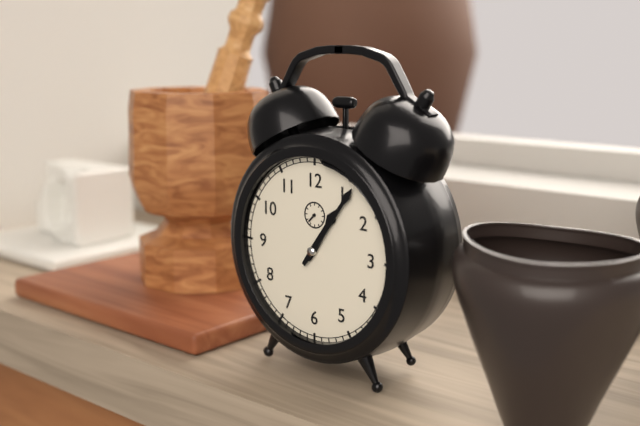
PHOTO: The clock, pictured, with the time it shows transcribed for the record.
1:06
